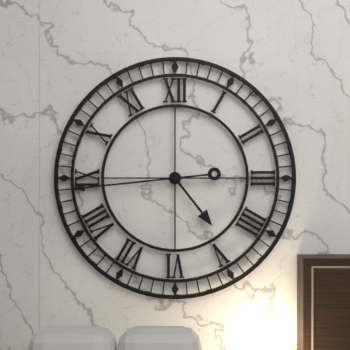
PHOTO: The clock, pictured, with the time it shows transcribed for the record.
4:44
